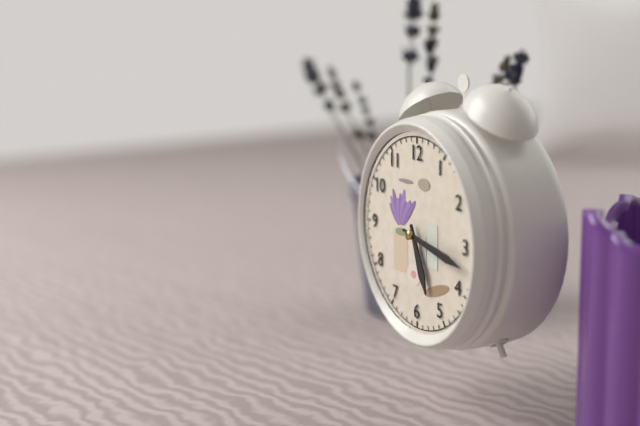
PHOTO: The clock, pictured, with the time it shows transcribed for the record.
5:17
